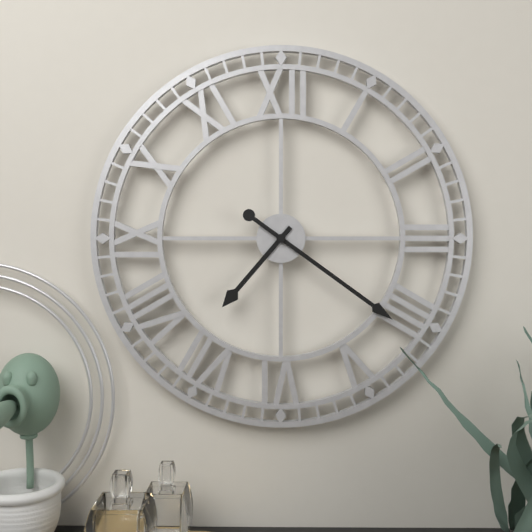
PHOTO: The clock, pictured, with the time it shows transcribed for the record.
7:21
